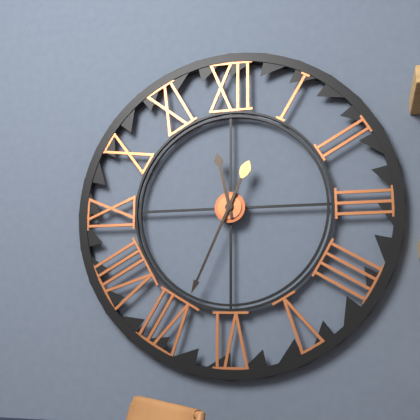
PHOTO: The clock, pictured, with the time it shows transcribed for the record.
11:34
